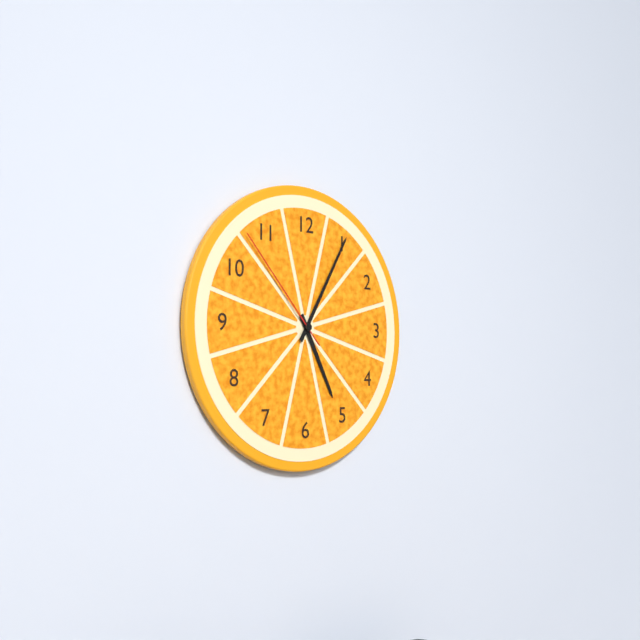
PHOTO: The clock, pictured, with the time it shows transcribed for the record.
5:05:53
